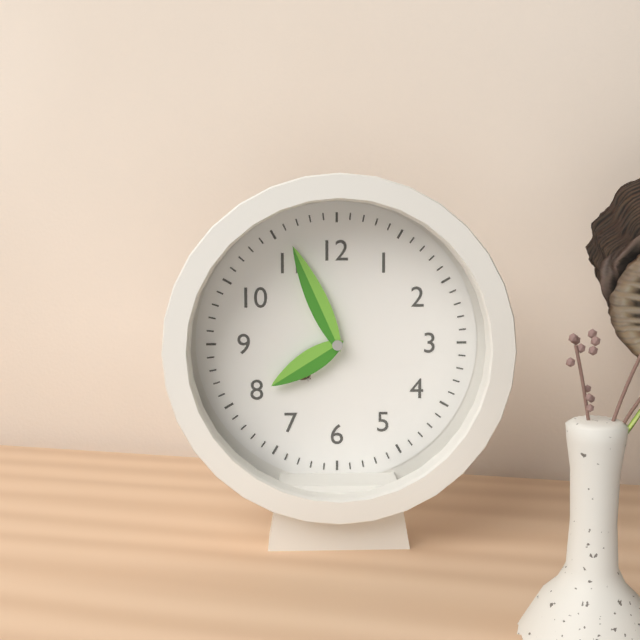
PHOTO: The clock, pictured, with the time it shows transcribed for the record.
7:56
